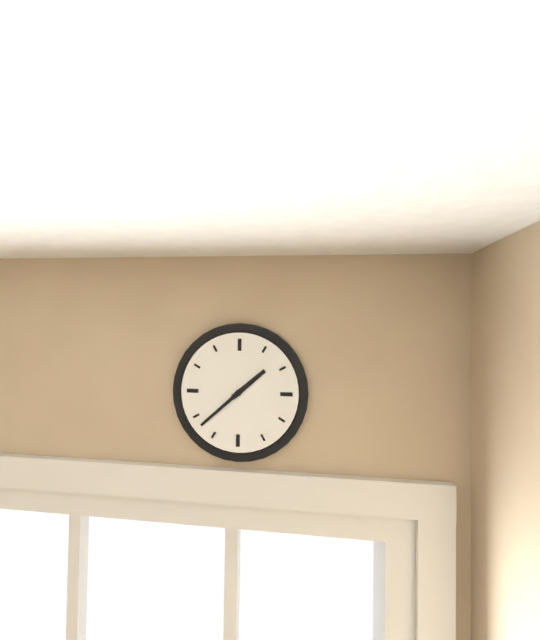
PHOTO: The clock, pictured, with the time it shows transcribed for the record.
1:38
